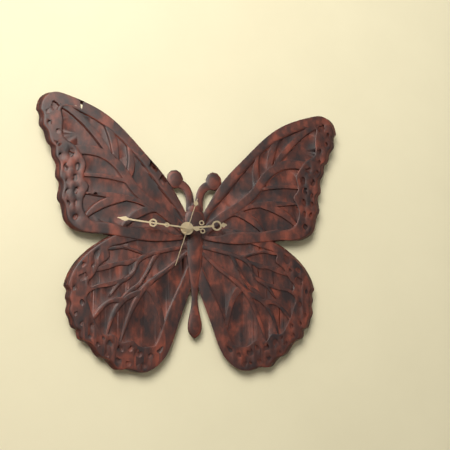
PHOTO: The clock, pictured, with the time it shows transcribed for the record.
2:46
